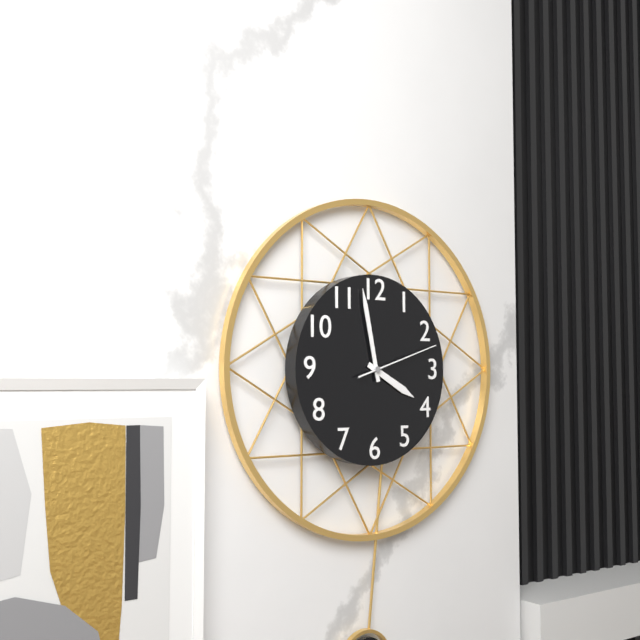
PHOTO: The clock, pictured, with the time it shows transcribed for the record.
3:58:12
